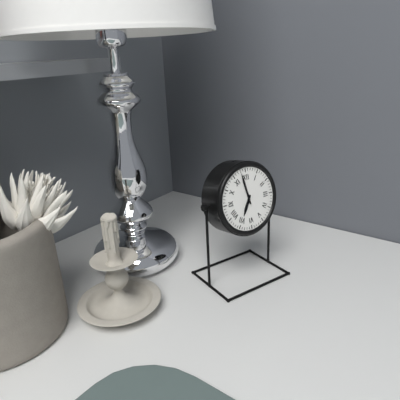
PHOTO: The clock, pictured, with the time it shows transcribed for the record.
6:58
